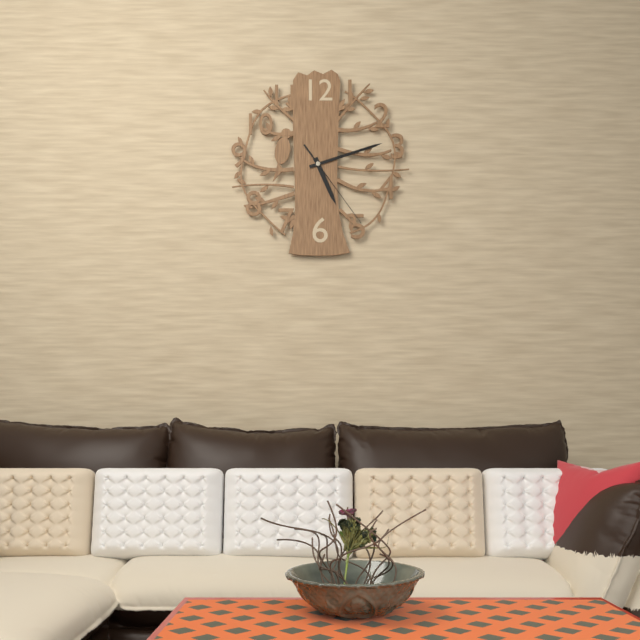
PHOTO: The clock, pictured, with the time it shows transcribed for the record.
5:12:24
